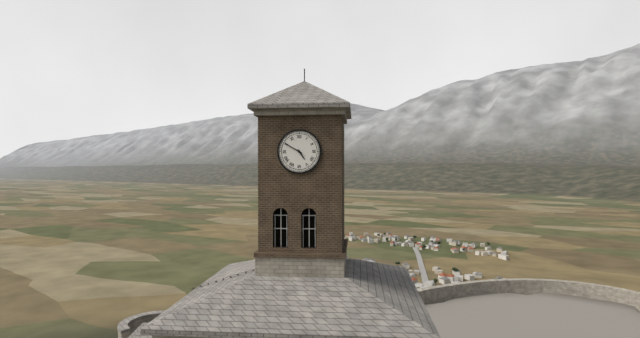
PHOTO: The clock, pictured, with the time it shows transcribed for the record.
4:50
